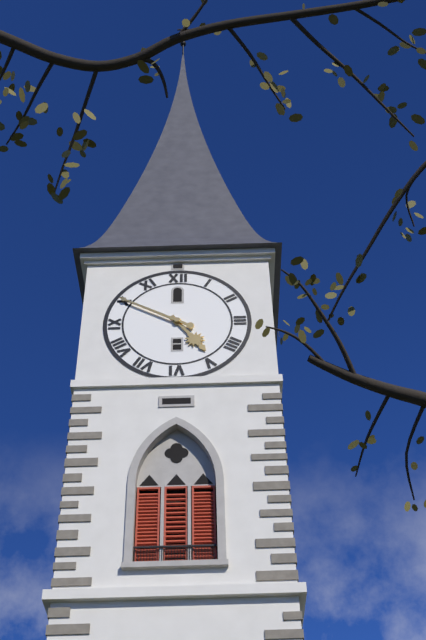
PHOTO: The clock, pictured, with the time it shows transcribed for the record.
4:50
